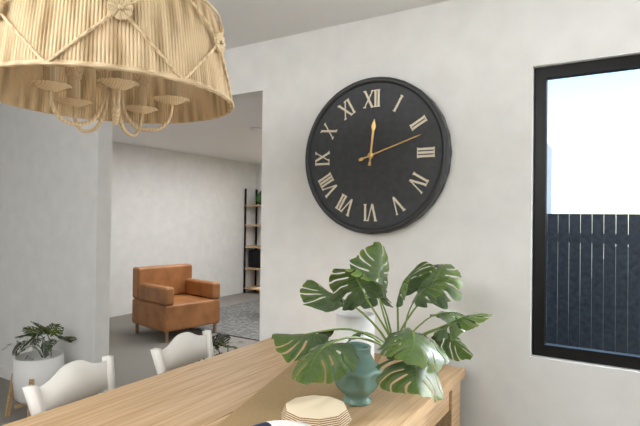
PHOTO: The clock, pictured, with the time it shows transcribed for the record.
12:12
